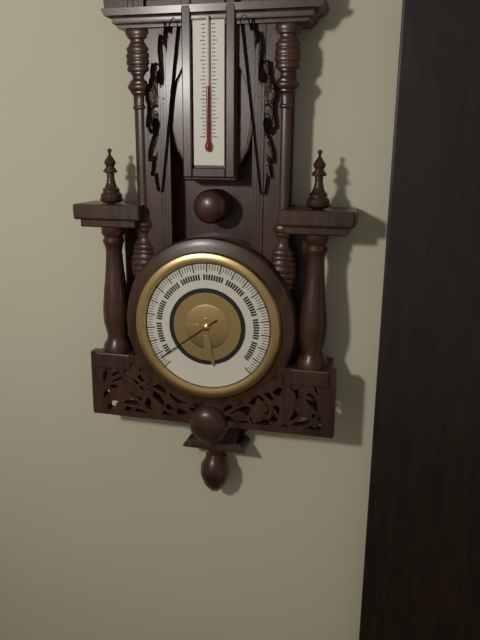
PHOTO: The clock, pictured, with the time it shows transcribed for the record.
5:39
